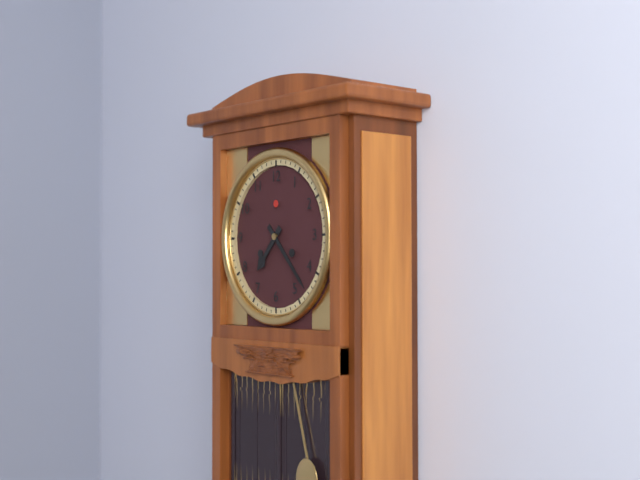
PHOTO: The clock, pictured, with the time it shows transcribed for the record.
7:23
